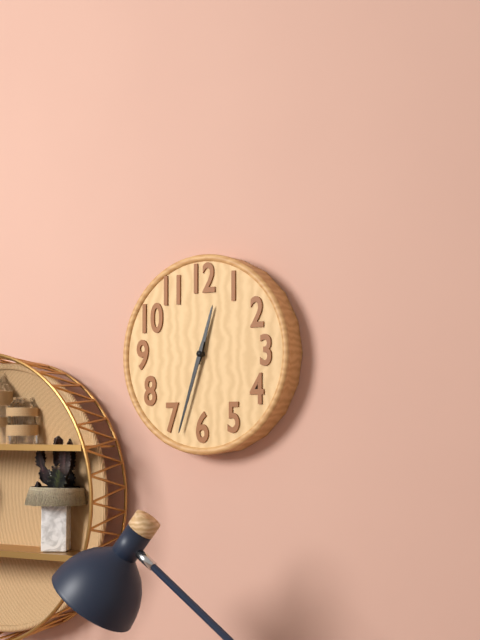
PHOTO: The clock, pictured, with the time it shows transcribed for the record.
12:33
